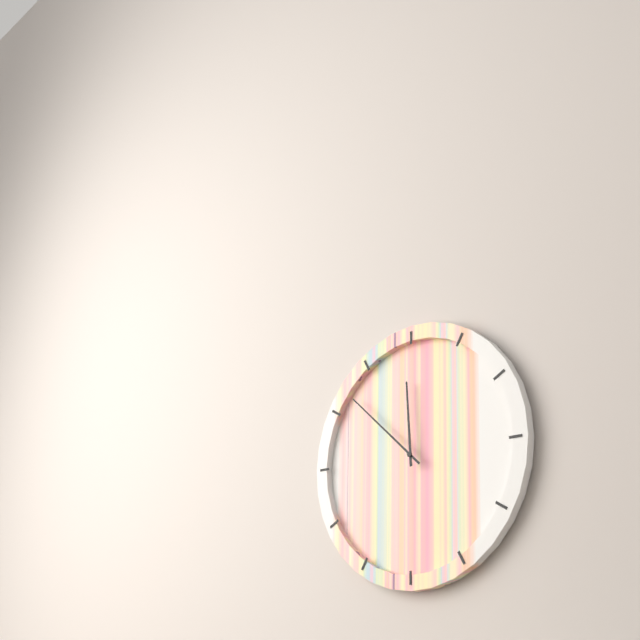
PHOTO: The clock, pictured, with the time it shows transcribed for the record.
11:52
